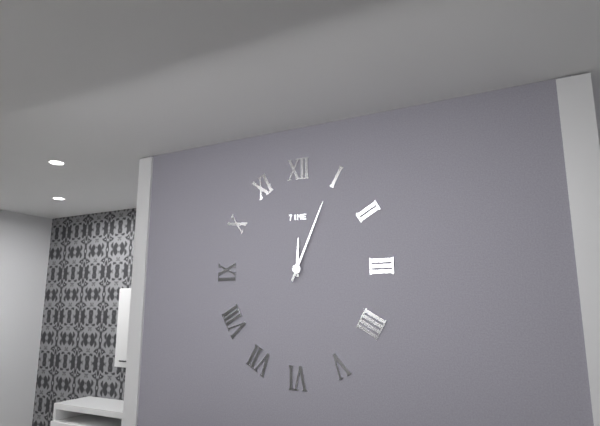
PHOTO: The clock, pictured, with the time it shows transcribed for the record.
12:04
